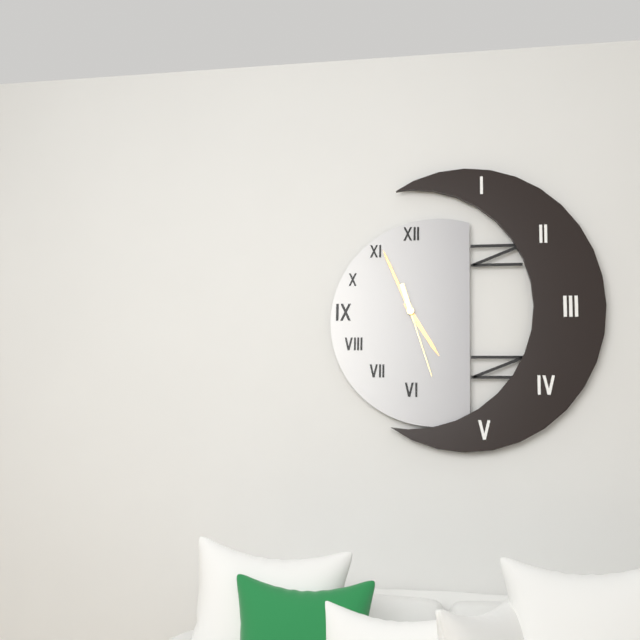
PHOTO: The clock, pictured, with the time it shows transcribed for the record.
4:56:27
